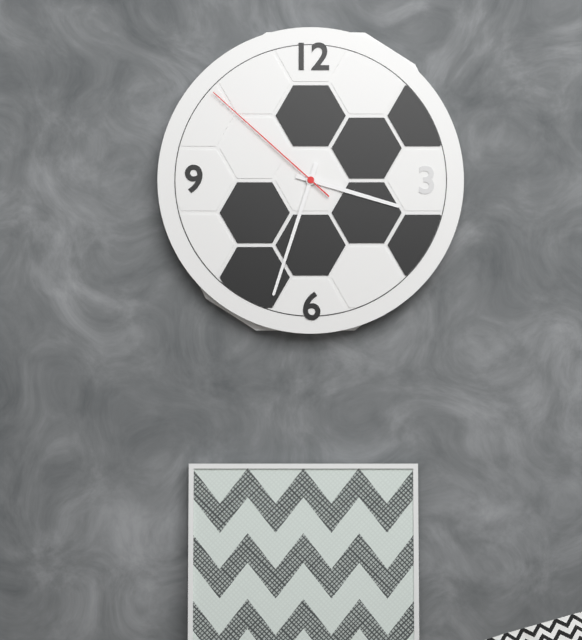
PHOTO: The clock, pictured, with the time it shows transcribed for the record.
3:33:52
